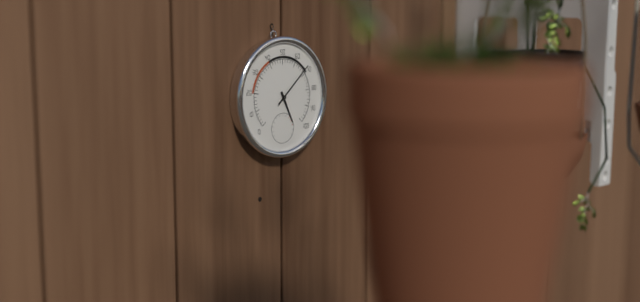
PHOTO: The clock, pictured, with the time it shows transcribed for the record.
5:08
